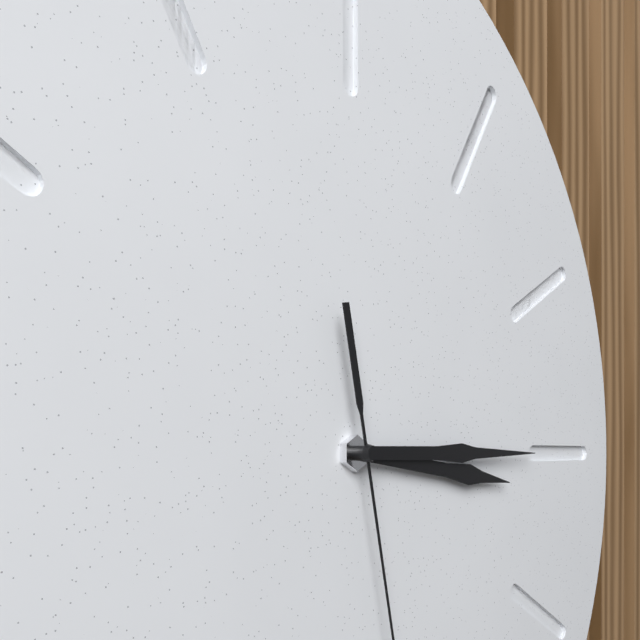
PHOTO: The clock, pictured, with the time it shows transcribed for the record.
3:15
